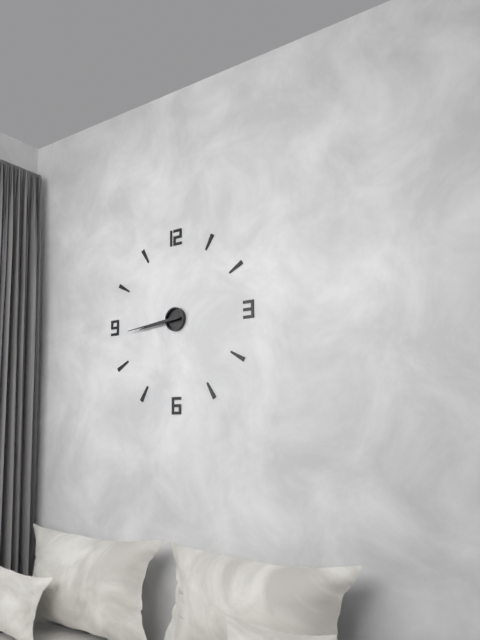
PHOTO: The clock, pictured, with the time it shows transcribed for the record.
8:44
